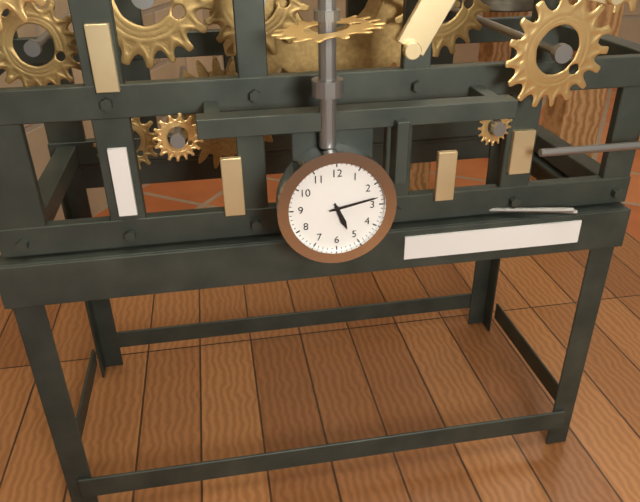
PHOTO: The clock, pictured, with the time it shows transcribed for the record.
5:13
